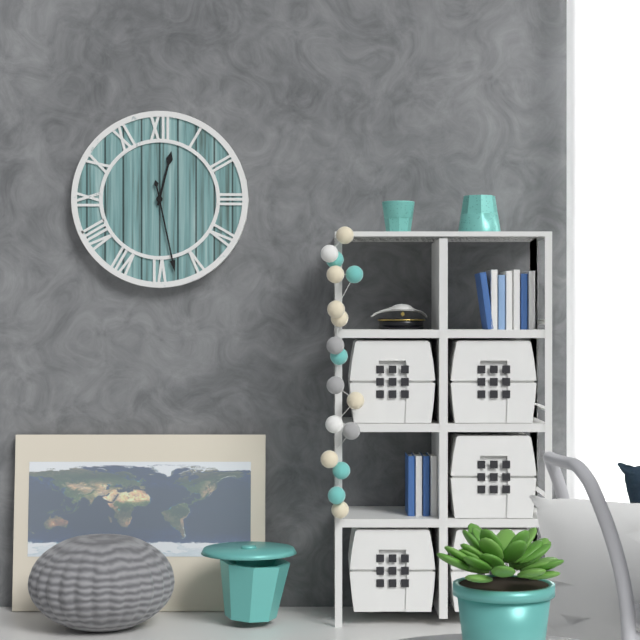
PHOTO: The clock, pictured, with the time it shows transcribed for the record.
12:28
